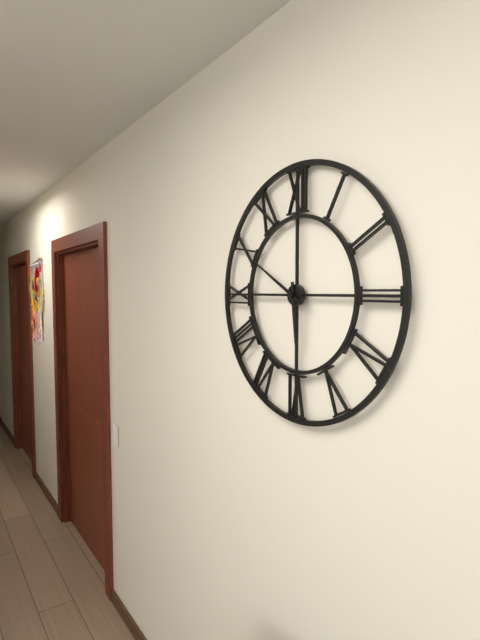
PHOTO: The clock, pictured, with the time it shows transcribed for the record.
5:50
